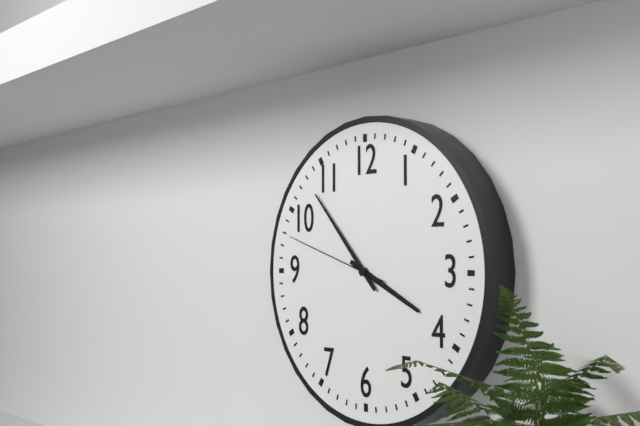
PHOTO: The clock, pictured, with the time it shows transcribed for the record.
3:53:48
